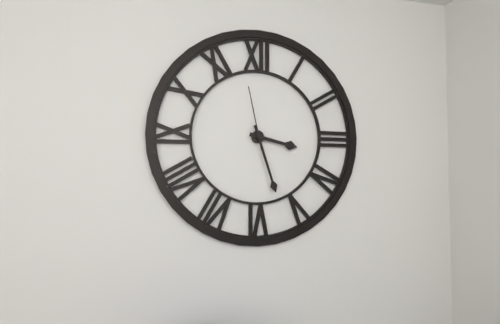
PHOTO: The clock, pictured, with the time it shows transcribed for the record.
3:27:58
